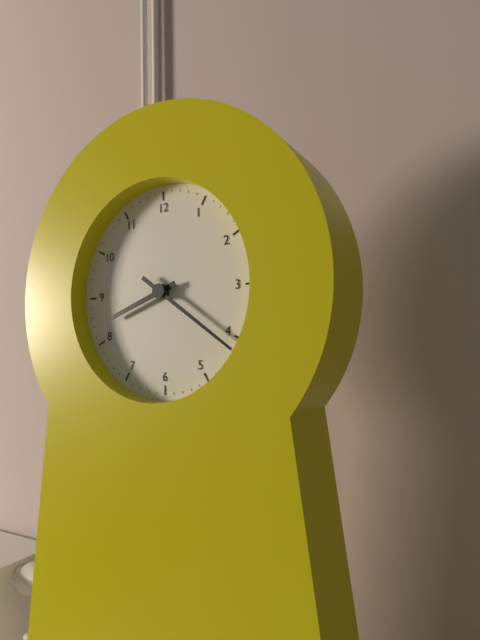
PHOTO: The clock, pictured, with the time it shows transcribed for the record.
8:21
